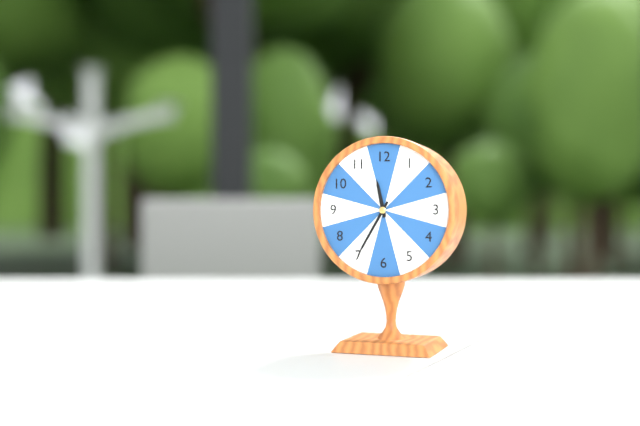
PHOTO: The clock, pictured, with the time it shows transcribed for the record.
11:35
